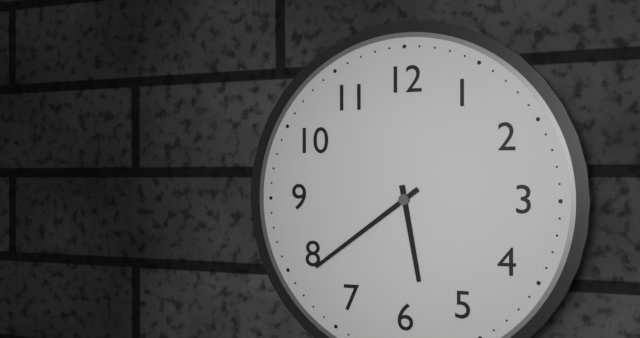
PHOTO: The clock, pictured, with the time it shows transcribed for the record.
5:39
